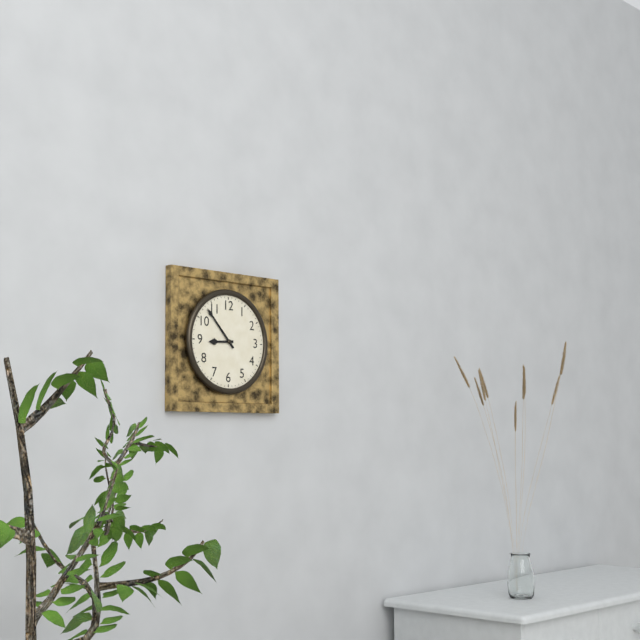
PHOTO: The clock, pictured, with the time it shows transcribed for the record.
8:53
